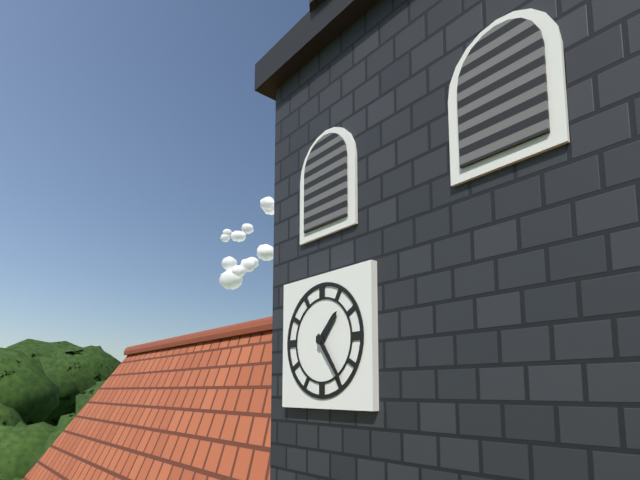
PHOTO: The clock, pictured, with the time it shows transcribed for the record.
1:24
